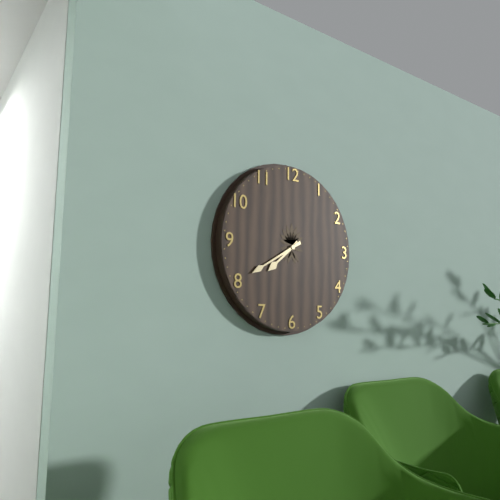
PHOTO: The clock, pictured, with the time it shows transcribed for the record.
7:40
